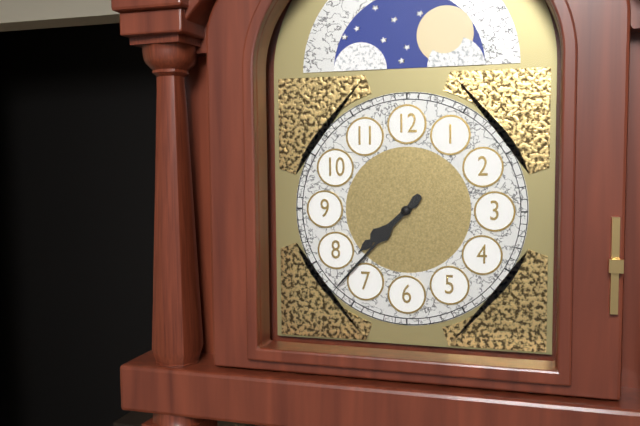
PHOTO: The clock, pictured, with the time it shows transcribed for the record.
7:37
